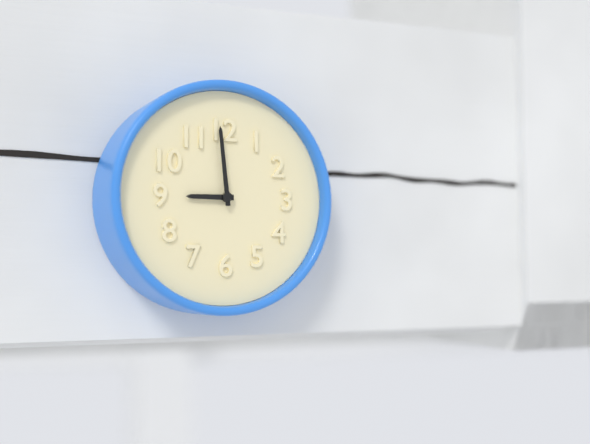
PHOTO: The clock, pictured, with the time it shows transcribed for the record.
8:59
